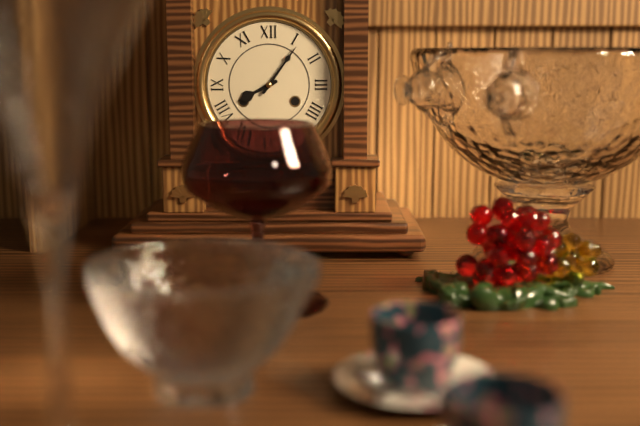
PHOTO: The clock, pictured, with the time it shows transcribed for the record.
8:06
